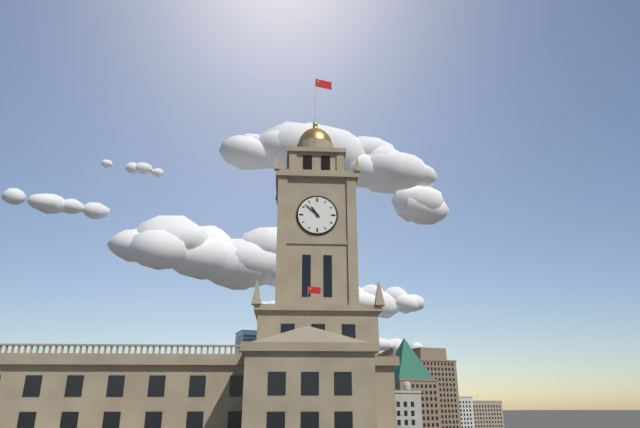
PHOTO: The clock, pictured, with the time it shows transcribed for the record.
10:52
